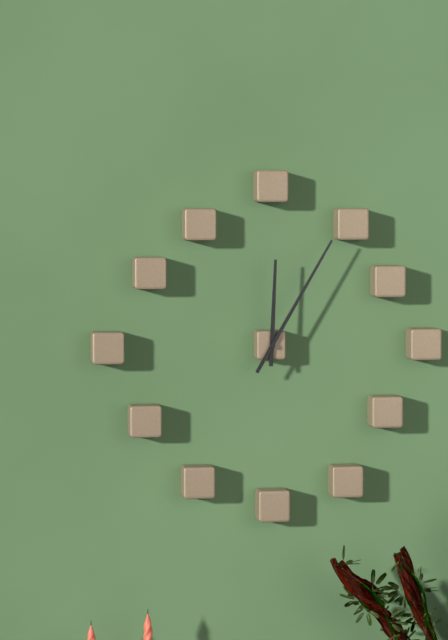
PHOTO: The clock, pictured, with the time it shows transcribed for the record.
12:05
